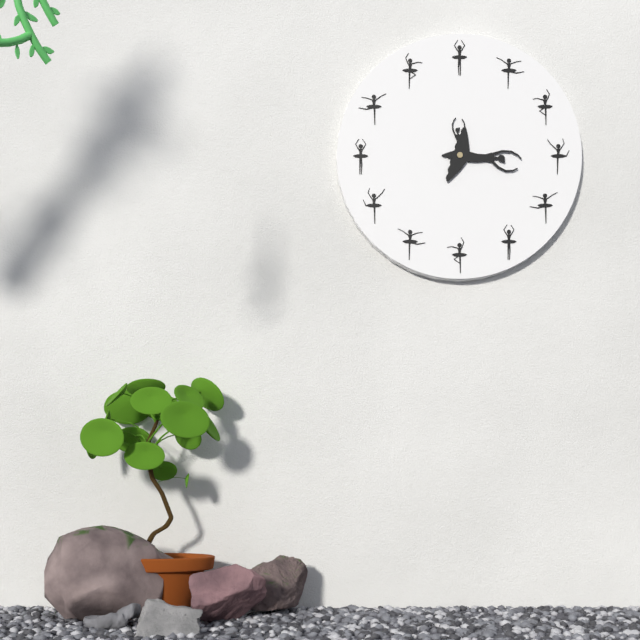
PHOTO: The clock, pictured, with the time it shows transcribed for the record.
12:18
